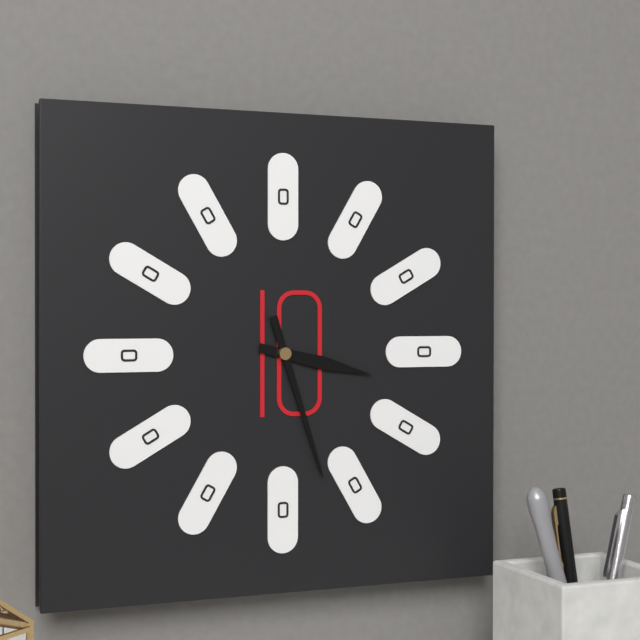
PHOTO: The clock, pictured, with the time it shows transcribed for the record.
3:27
